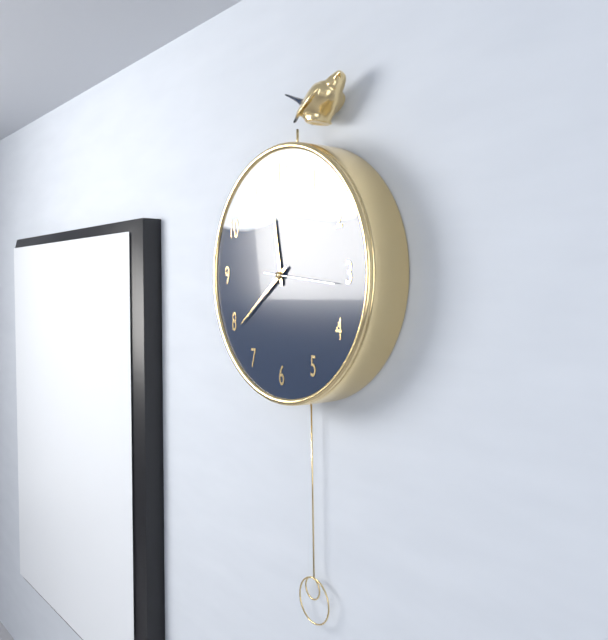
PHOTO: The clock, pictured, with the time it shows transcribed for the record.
11:39:16
